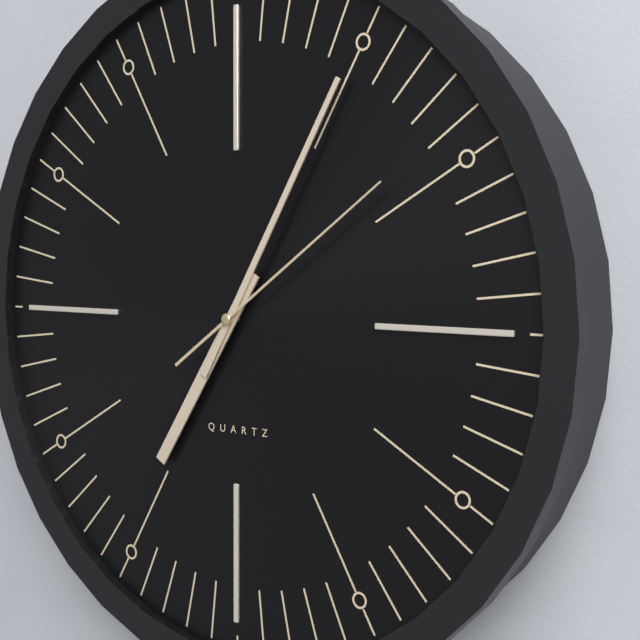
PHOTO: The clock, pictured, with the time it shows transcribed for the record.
7:05:09
